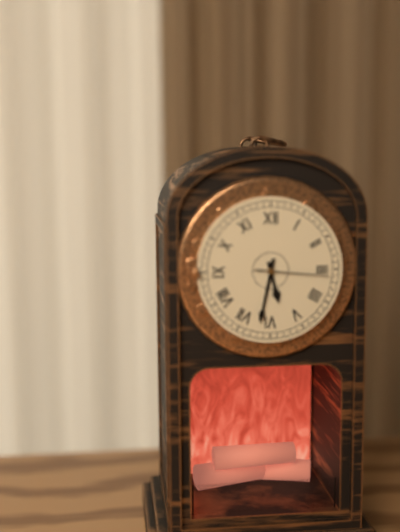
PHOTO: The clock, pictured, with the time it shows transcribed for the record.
5:32:16
